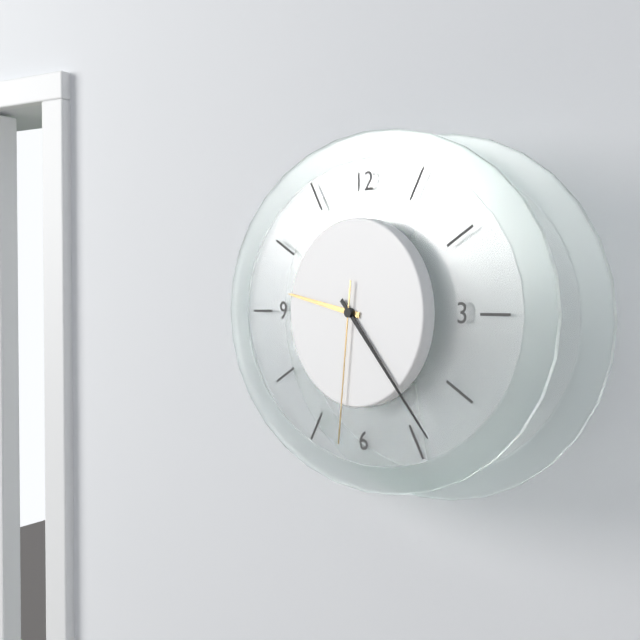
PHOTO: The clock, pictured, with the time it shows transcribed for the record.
9:23:31
